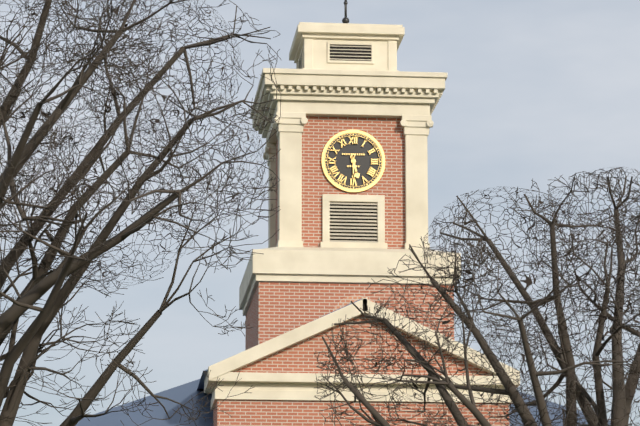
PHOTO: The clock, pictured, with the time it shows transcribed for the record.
5:30
